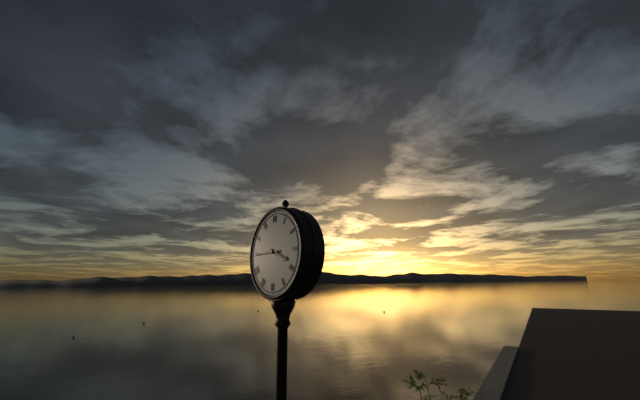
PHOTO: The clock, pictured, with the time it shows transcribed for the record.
3:45
